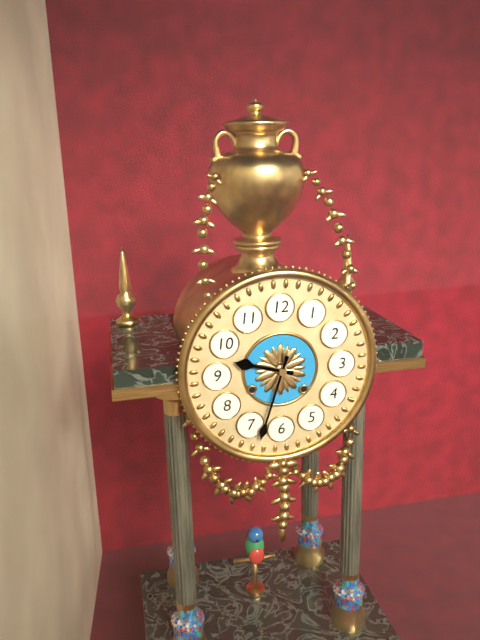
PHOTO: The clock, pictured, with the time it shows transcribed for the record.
9:33
